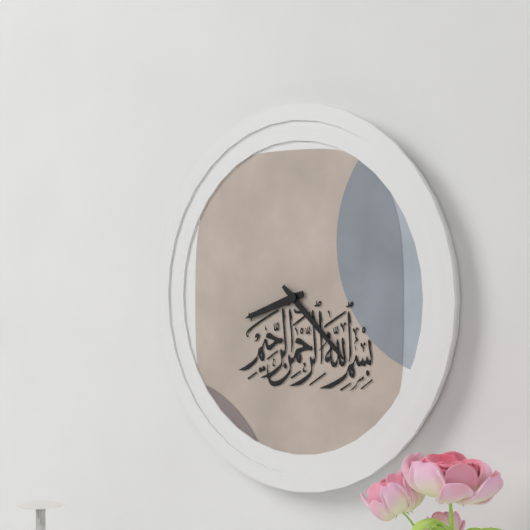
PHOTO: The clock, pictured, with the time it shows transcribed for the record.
8:22
